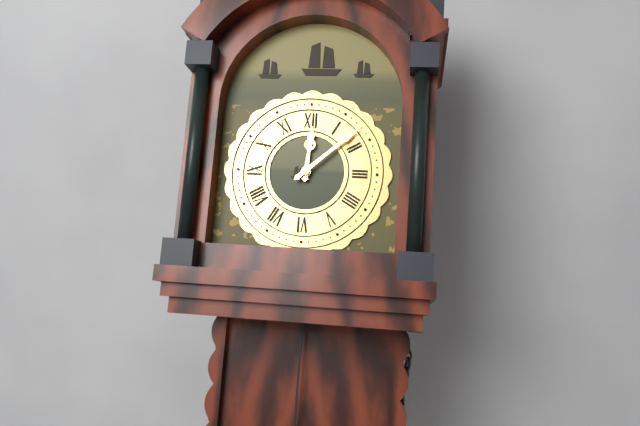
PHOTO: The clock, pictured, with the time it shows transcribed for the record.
12:08
